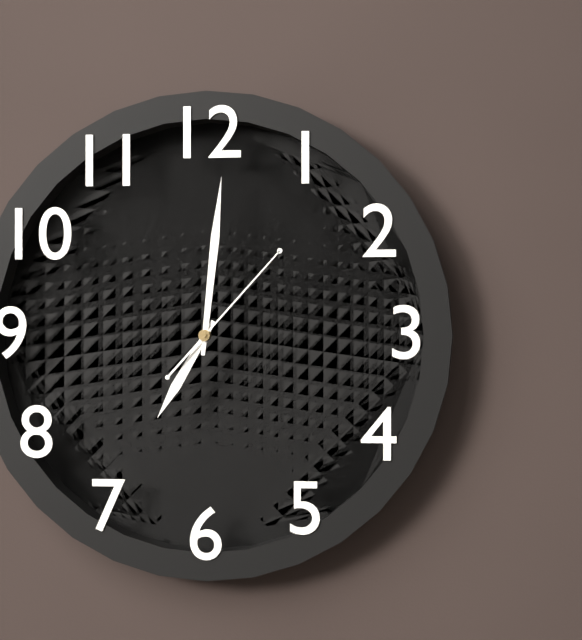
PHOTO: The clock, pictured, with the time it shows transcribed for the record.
7:01:07
